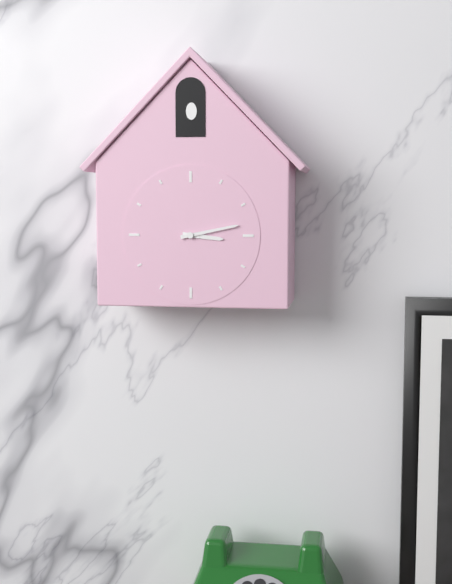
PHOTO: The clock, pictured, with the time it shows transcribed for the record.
3:13
